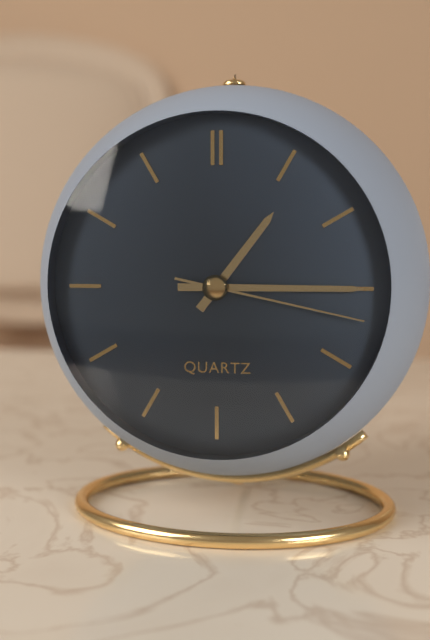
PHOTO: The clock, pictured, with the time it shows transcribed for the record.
1:15:17
